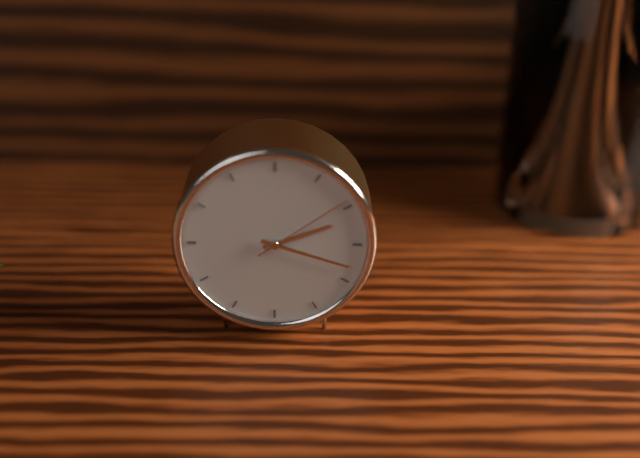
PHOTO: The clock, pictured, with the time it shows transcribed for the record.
2:18:09
